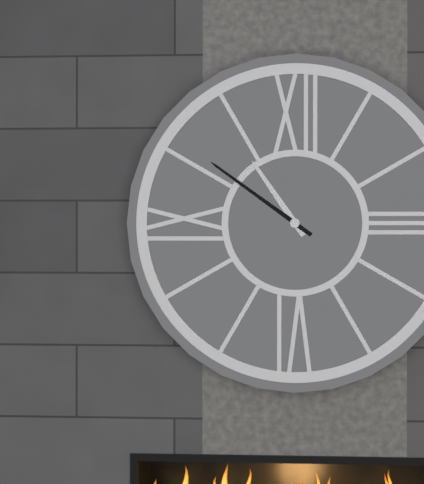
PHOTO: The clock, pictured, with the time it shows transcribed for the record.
10:51
